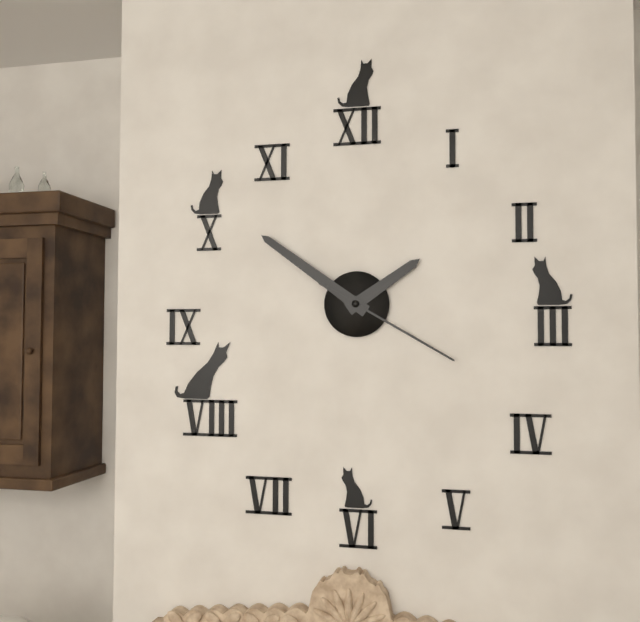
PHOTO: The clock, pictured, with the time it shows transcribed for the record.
1:51:20
